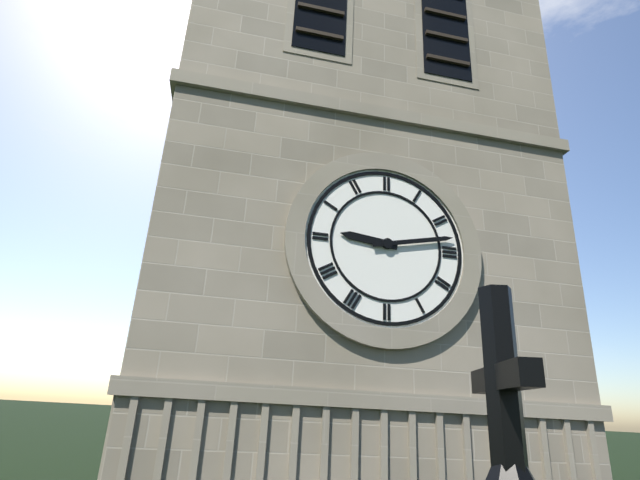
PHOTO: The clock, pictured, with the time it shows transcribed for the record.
9:13
